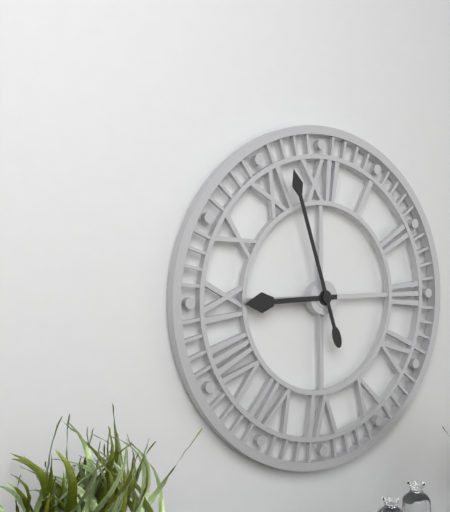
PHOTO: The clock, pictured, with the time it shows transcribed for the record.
8:57
